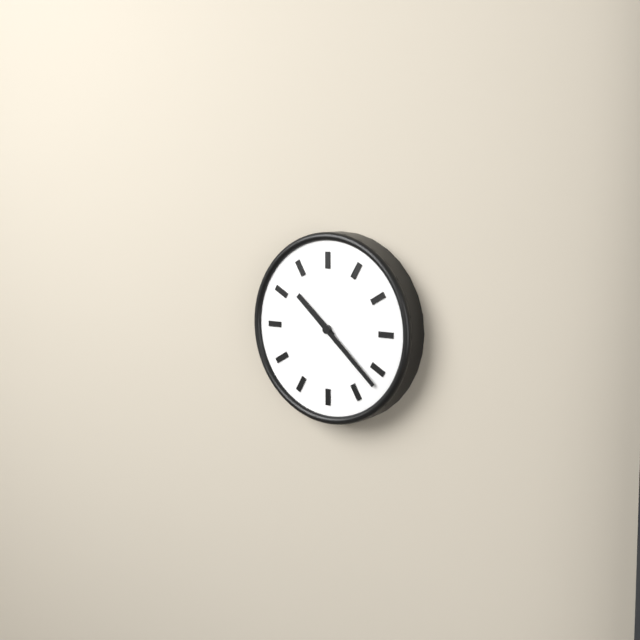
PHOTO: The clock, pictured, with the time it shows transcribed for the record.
10:22
